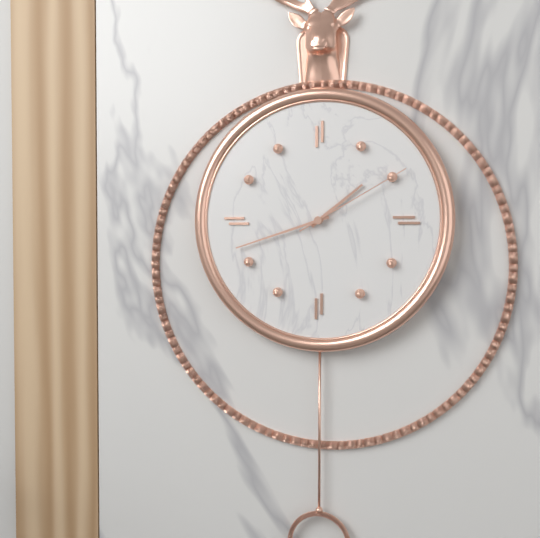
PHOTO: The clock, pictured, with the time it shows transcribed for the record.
1:42:10
